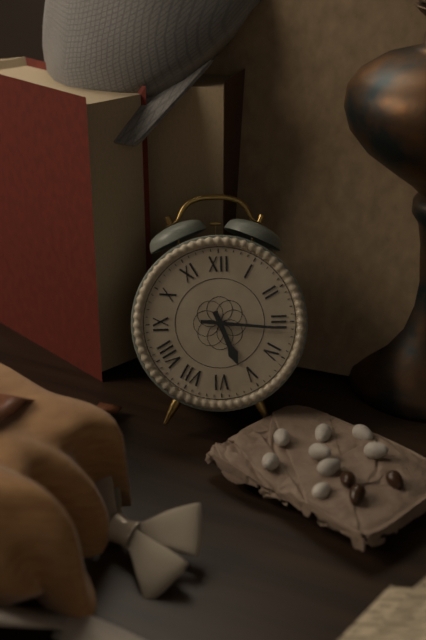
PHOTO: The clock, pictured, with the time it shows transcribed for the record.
5:16
